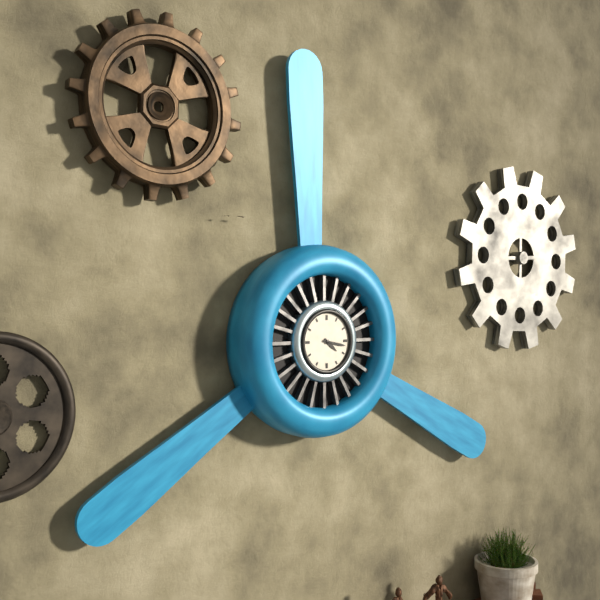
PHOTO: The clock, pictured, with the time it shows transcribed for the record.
4:17
